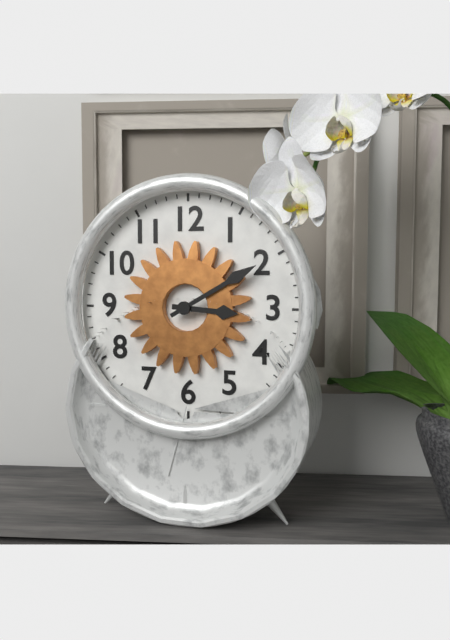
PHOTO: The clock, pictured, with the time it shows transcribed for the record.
3:10
